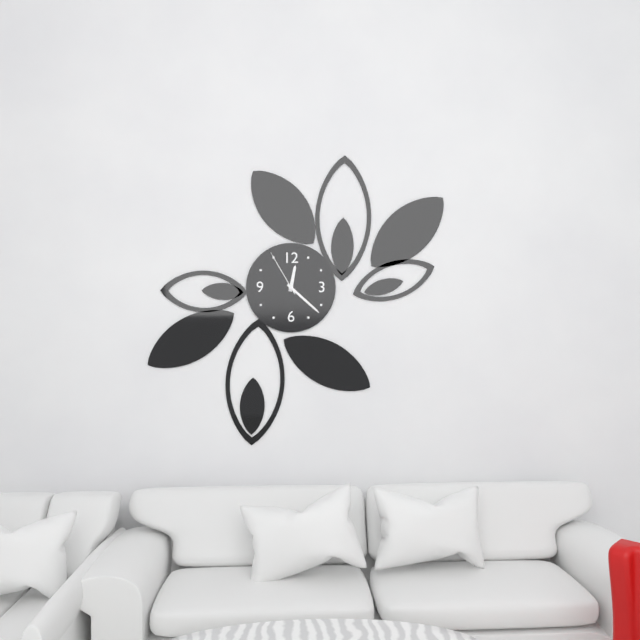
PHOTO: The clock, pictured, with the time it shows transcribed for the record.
12:22:55
